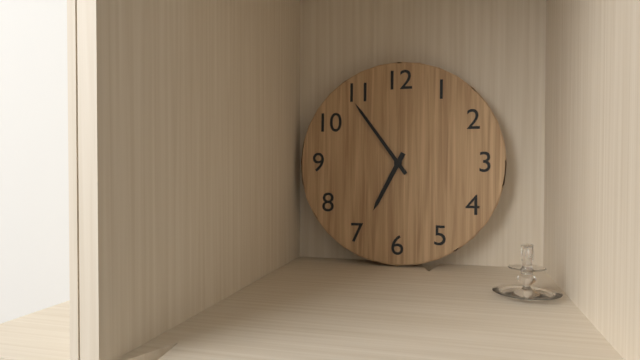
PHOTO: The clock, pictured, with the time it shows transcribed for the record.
6:54
